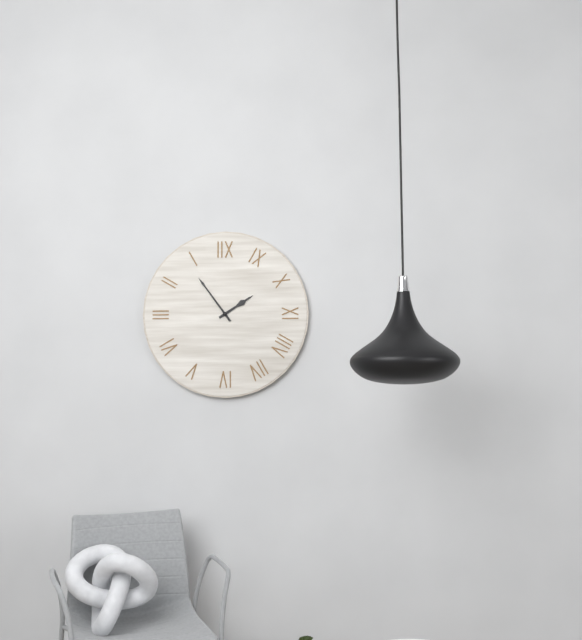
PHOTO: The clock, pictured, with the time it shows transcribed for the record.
1:54
